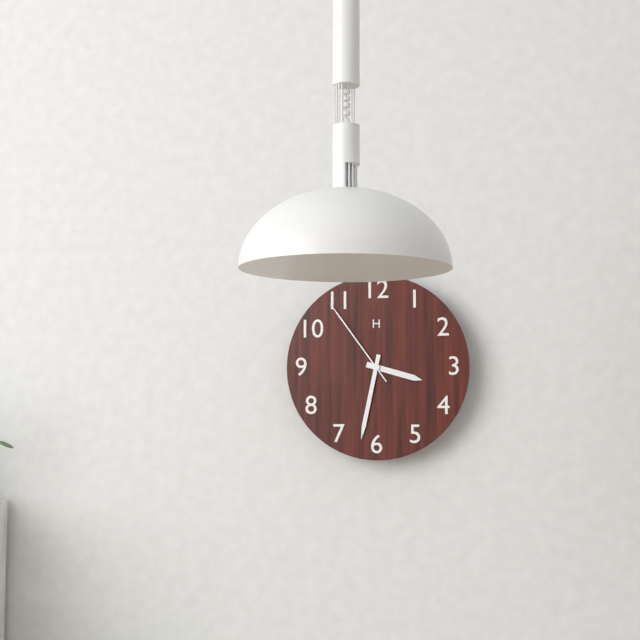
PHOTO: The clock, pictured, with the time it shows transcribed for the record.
3:32:54
